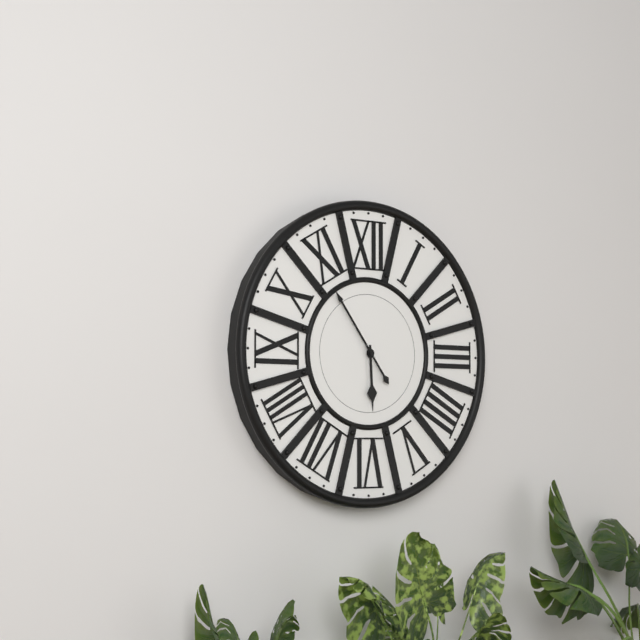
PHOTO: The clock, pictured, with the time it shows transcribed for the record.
5:54
